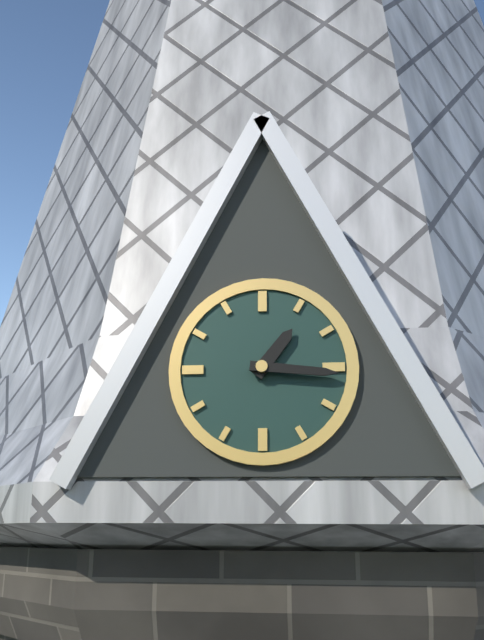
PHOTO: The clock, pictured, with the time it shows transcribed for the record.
1:16
